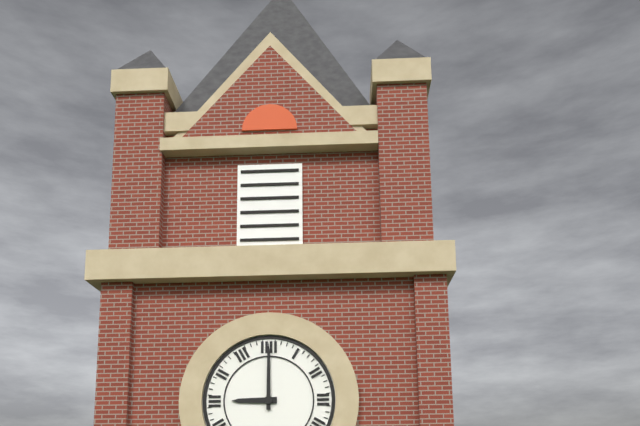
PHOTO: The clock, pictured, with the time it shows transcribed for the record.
9:00
